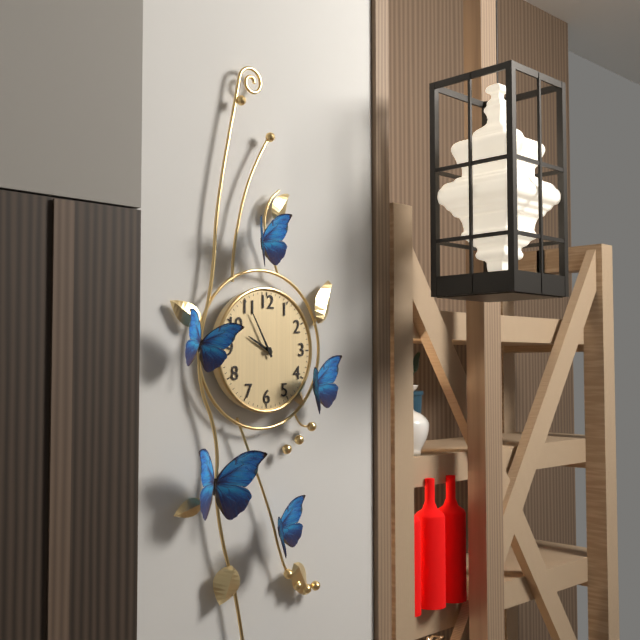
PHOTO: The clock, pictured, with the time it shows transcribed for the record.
9:55
